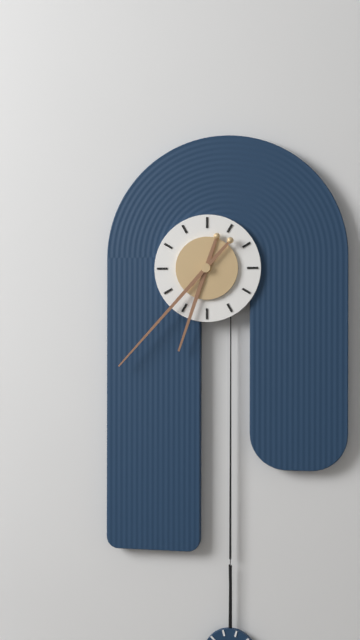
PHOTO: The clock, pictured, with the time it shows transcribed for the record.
6:37
